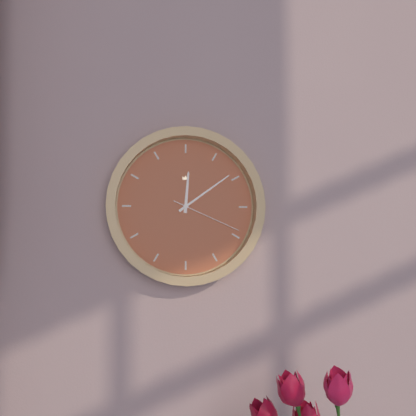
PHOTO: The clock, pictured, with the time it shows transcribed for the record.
12:09:19
